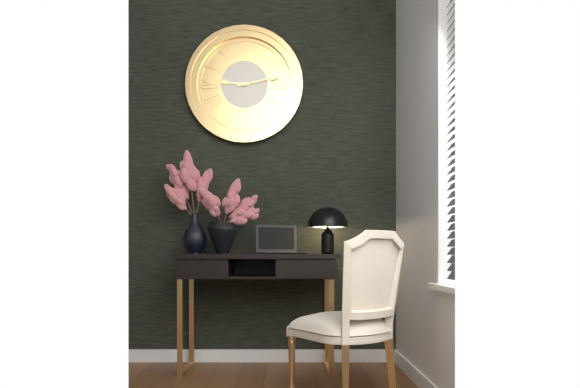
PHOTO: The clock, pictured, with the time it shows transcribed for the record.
9:13
